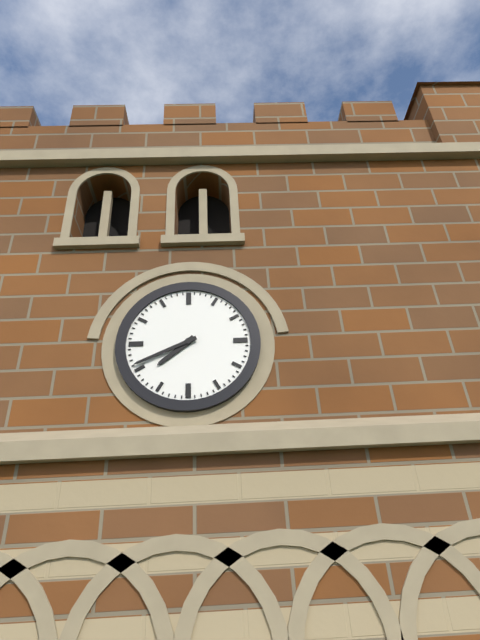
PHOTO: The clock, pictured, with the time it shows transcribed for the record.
7:41
